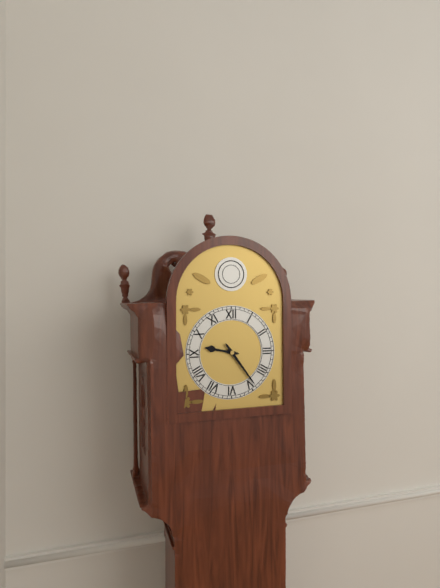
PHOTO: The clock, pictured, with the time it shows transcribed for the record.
9:24
